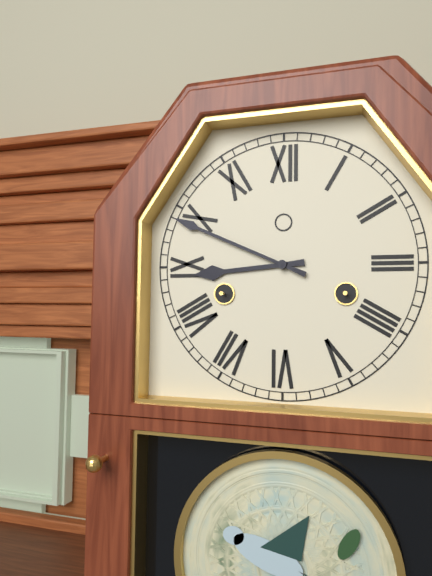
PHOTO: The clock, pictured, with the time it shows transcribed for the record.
8:49
